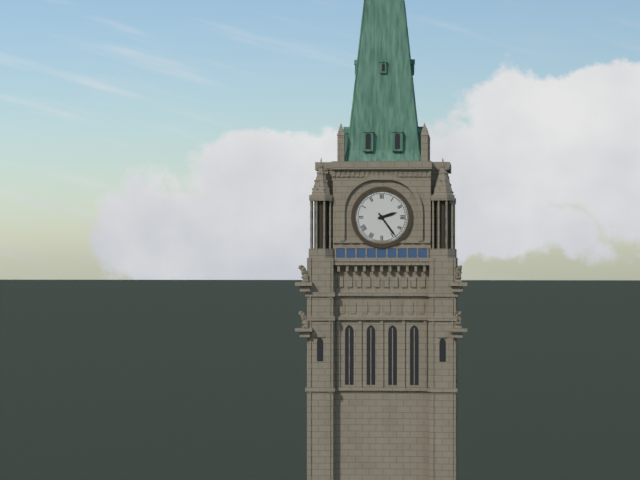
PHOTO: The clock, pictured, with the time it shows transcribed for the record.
2:24
